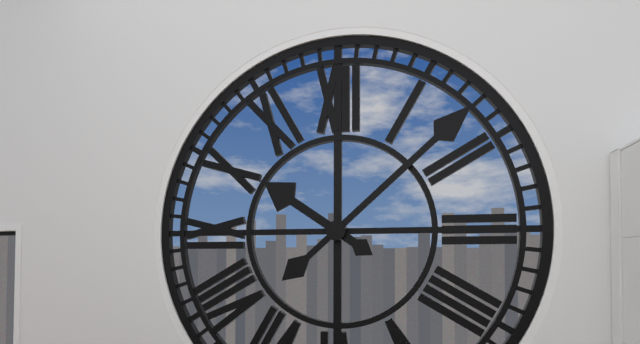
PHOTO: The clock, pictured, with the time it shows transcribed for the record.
10:08
